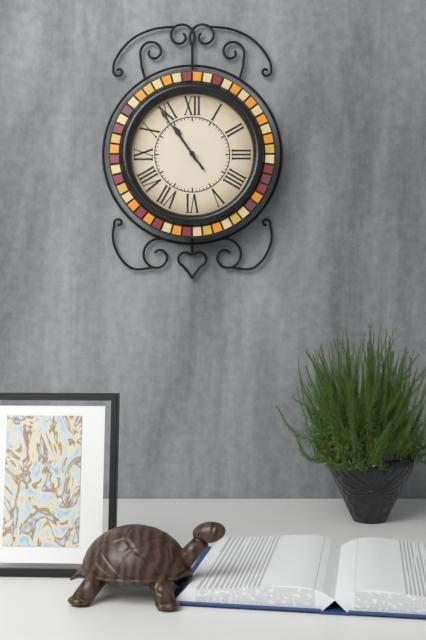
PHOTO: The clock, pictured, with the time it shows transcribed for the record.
10:54
